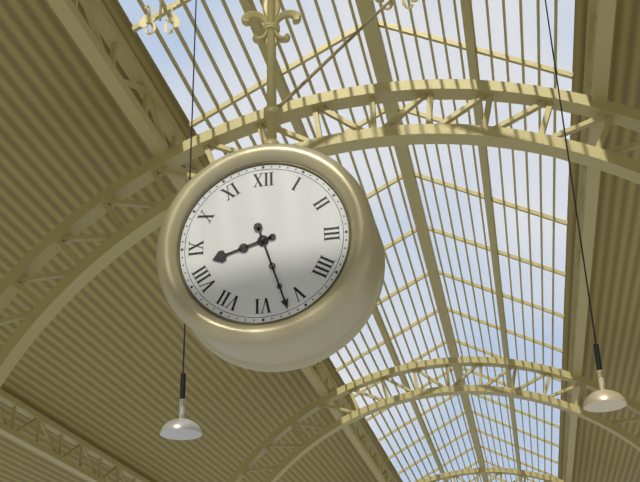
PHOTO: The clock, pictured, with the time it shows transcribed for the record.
8:27
